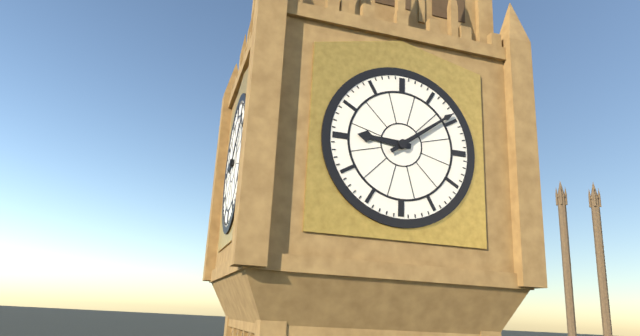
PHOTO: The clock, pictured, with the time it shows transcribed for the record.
9:09
